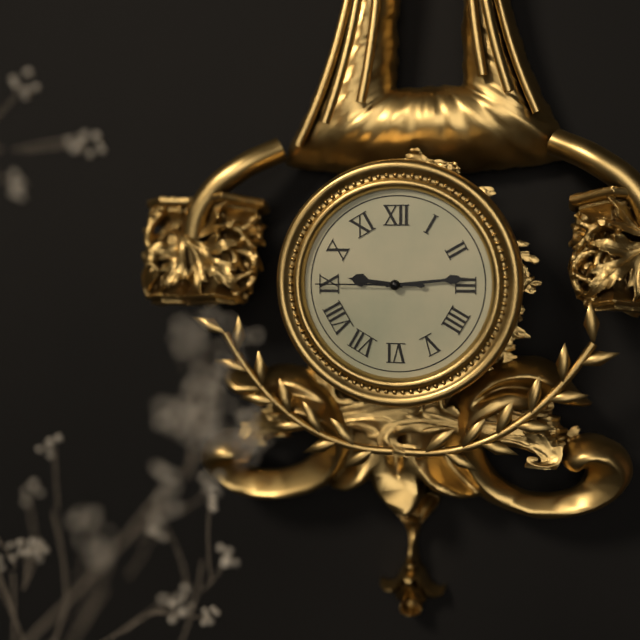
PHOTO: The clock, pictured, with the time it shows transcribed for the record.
9:14:45
